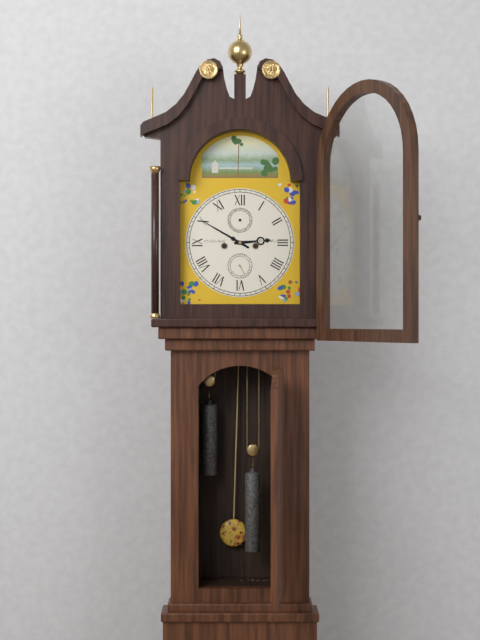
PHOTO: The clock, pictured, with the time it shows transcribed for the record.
2:50
